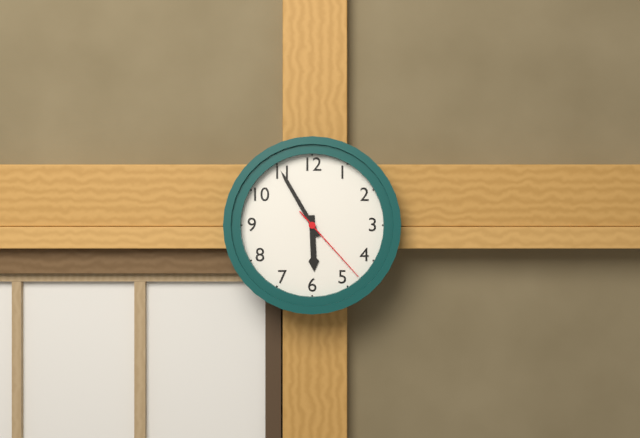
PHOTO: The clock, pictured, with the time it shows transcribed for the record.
5:55:23
